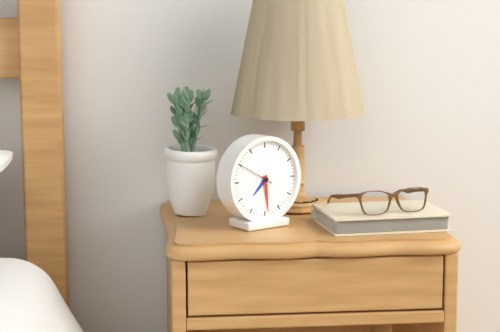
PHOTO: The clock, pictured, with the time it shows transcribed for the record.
7:29
